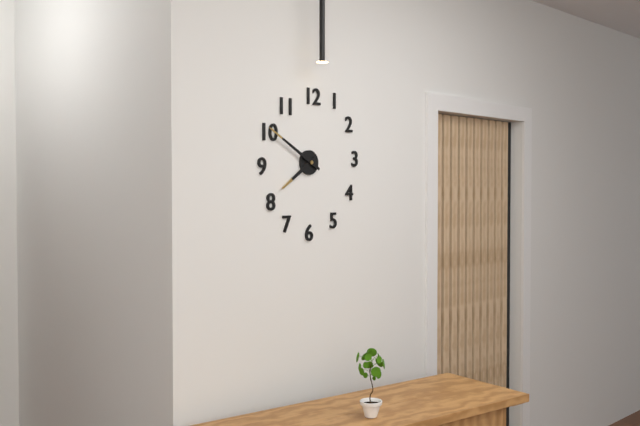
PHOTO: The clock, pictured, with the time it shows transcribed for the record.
7:50
